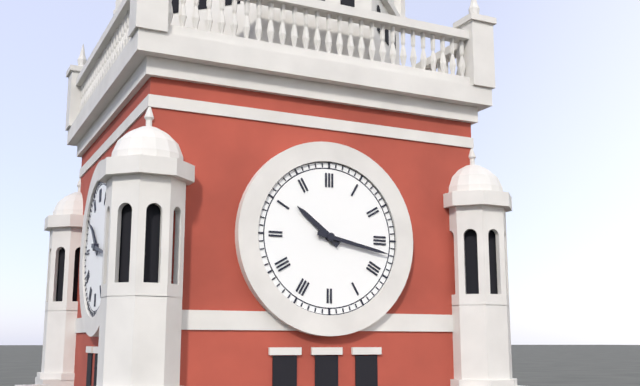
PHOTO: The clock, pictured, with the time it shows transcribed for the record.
10:17
